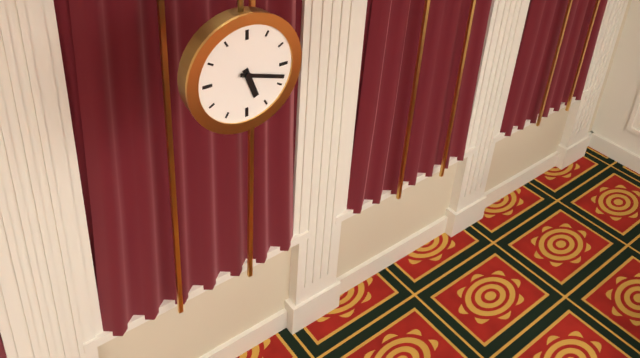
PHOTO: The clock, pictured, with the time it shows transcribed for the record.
5:18
